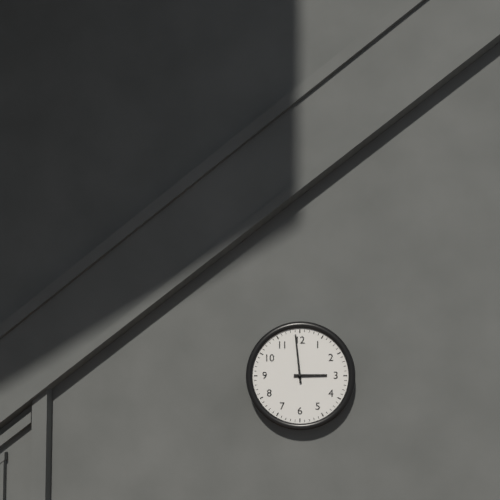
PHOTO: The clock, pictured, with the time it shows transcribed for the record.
2:59
